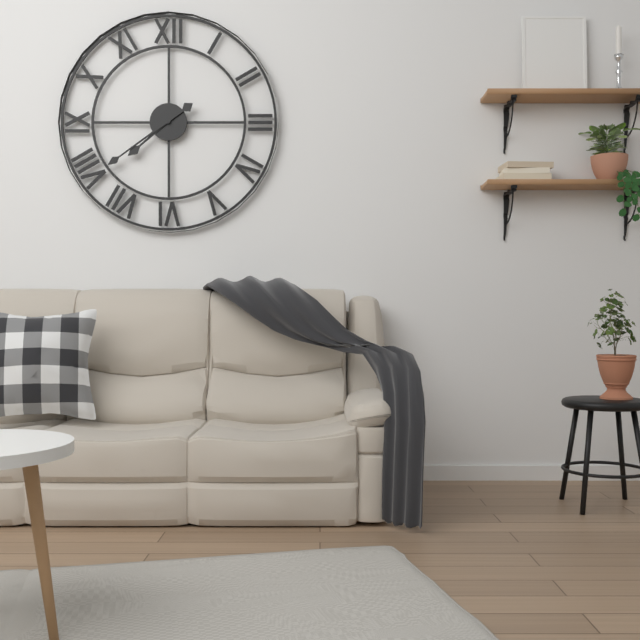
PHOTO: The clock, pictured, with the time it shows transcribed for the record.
7:39
